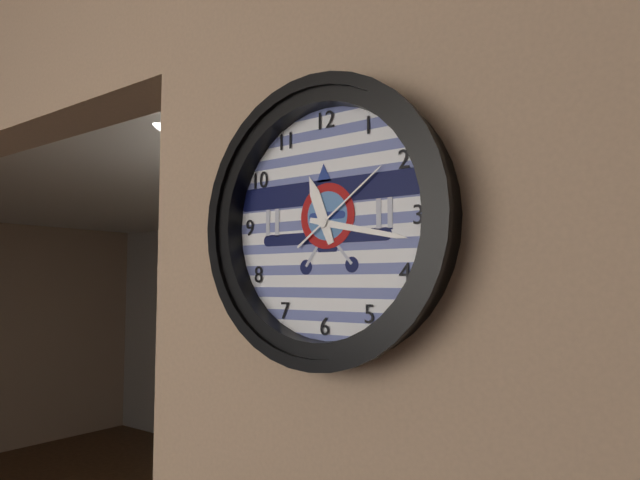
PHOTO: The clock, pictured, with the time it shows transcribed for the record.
11:17:09
